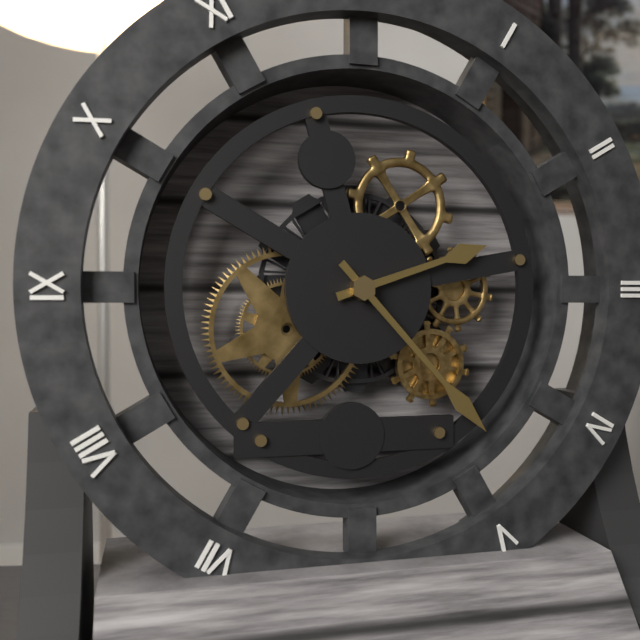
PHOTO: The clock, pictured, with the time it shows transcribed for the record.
2:23
